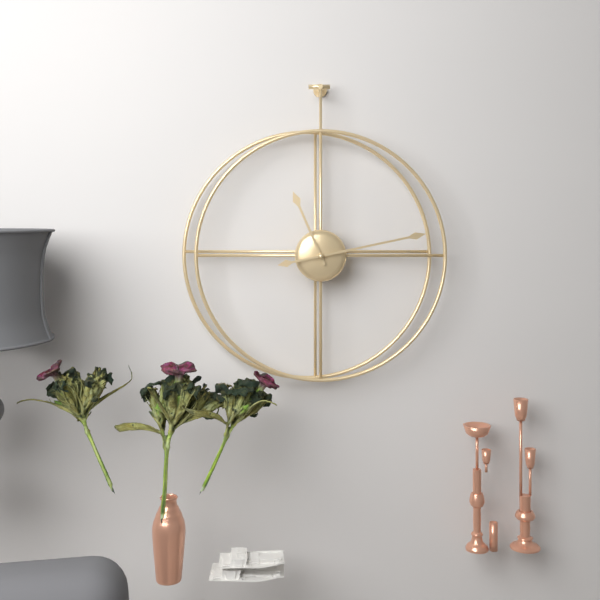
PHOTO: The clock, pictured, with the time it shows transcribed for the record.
11:13
